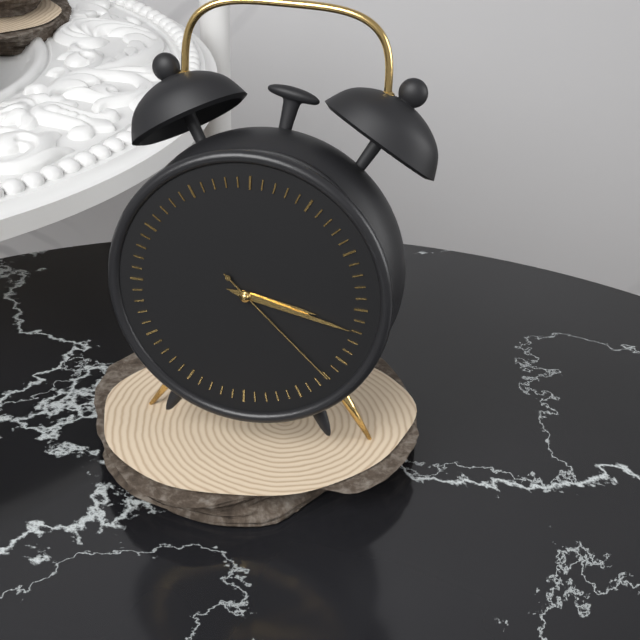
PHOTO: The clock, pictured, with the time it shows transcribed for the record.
3:17:22
